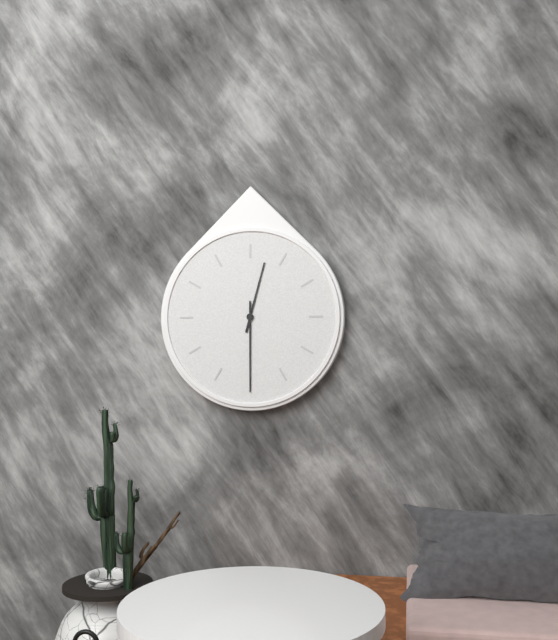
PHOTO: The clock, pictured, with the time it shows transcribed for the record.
12:30
